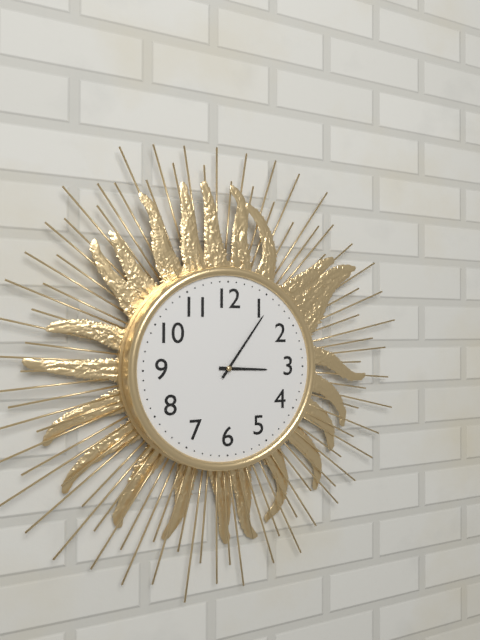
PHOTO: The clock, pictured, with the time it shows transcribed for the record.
3:06
